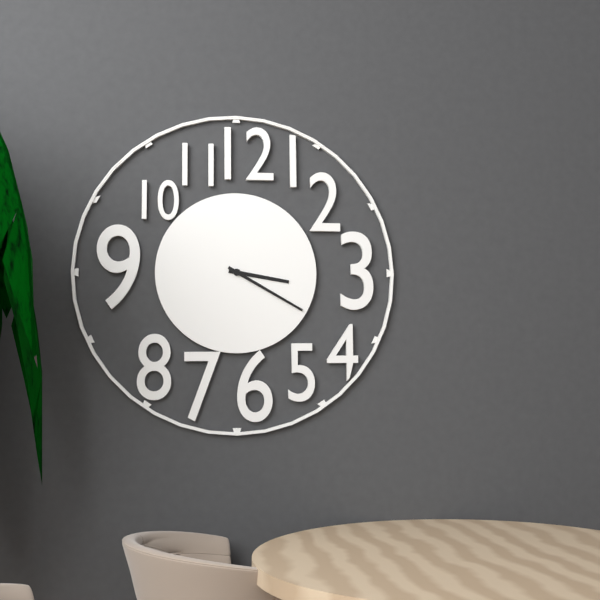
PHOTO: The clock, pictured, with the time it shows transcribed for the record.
3:20
